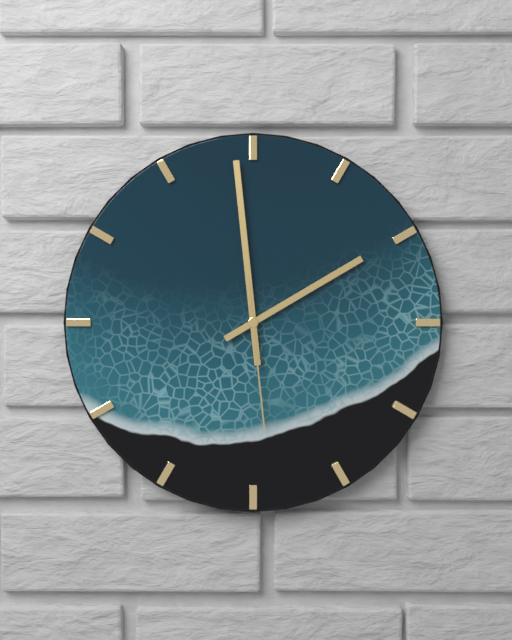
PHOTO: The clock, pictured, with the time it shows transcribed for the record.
1:59:29
